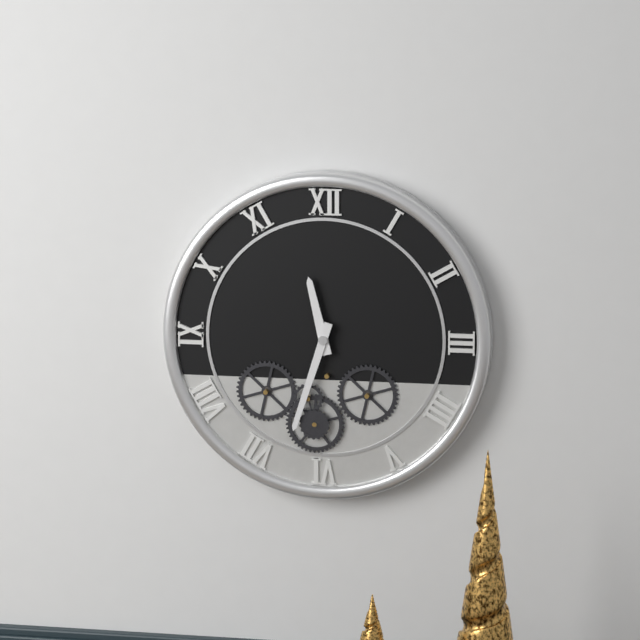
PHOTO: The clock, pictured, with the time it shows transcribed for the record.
11:33
